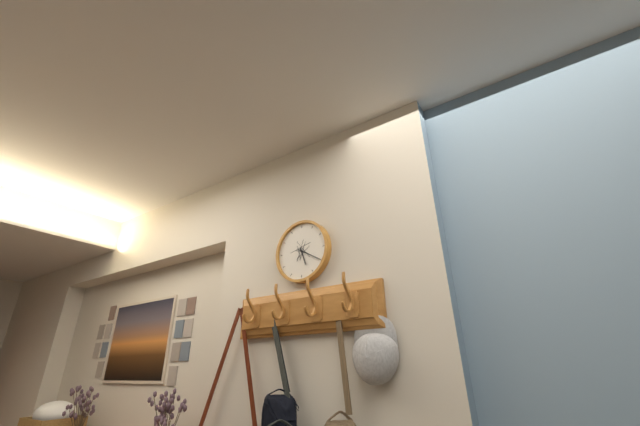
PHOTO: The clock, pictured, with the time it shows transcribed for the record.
5:20
